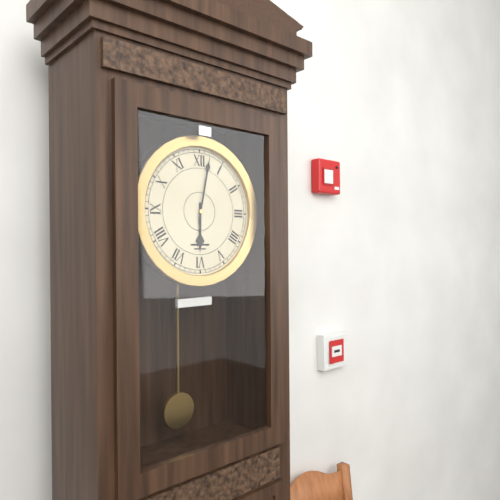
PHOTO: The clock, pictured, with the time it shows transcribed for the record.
6:02
